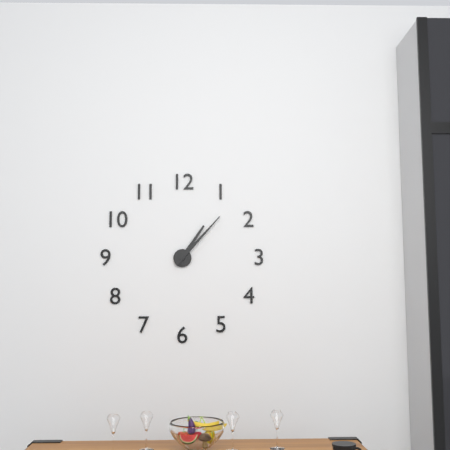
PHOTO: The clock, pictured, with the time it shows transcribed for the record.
1:07
